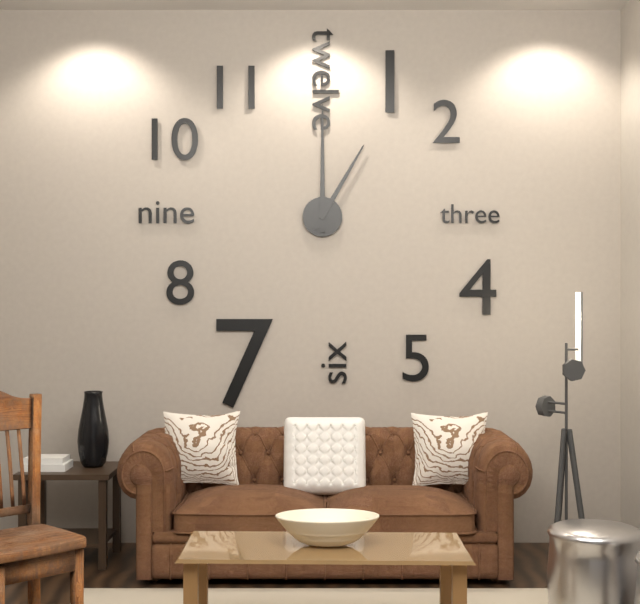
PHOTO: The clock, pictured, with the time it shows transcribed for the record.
1:00
